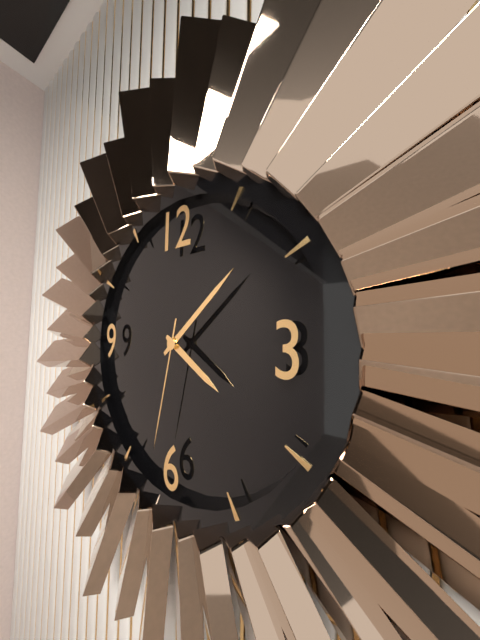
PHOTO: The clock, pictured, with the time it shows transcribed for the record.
4:08:32
